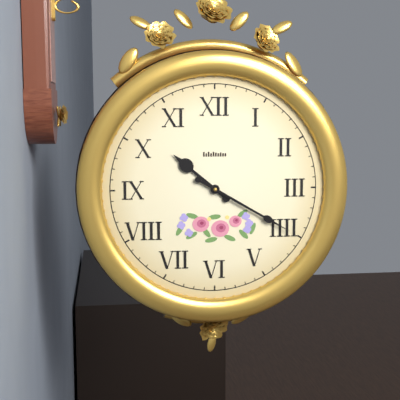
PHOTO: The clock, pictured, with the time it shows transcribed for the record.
10:20
